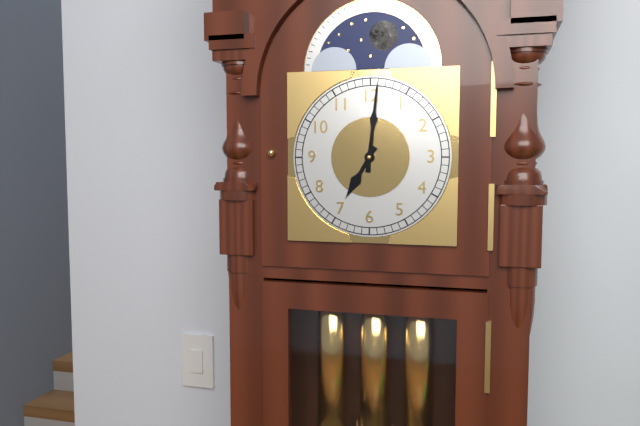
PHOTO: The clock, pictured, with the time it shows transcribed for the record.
7:01
